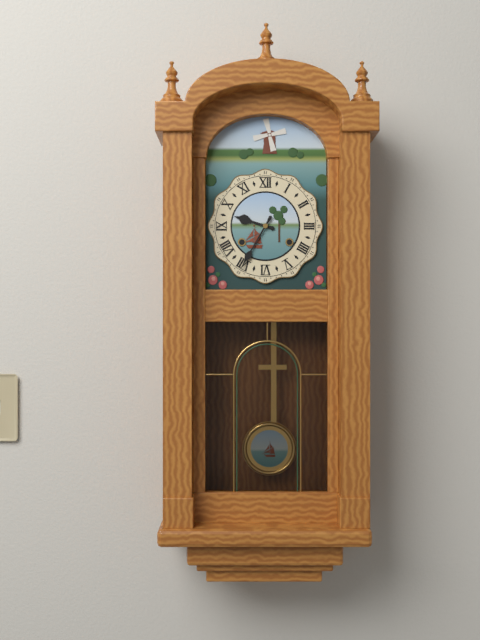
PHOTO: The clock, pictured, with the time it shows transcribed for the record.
9:35
